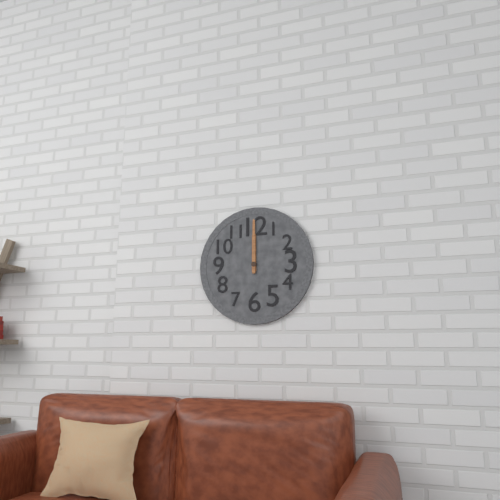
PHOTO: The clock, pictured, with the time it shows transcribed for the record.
12:00
